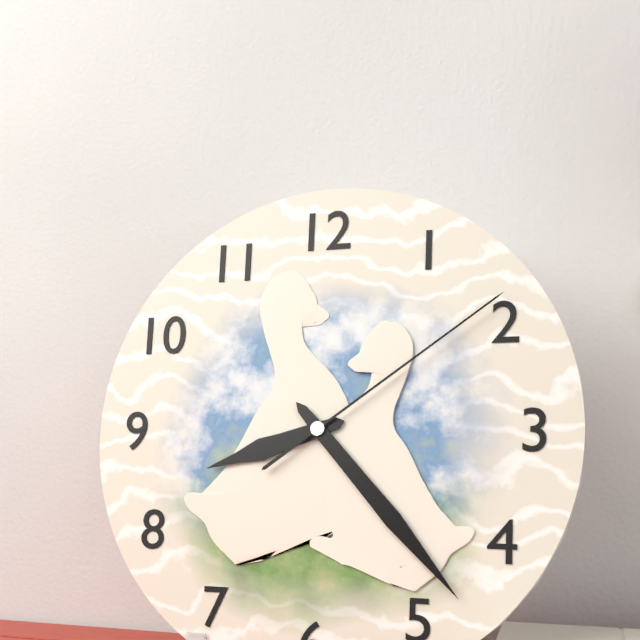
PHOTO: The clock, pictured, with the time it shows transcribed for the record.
8:23:09
